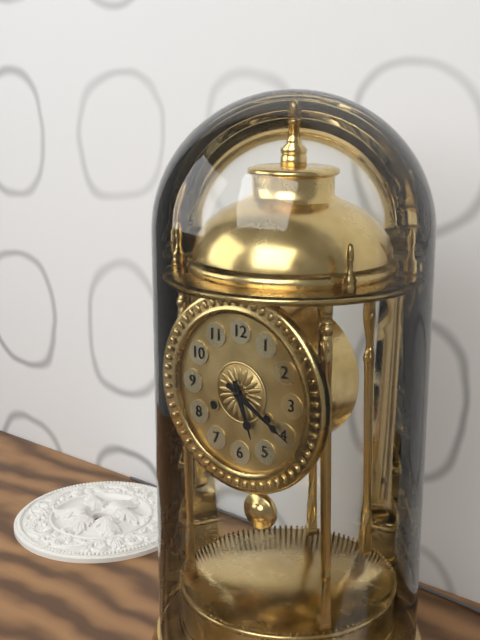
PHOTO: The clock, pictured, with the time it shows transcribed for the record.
5:20
